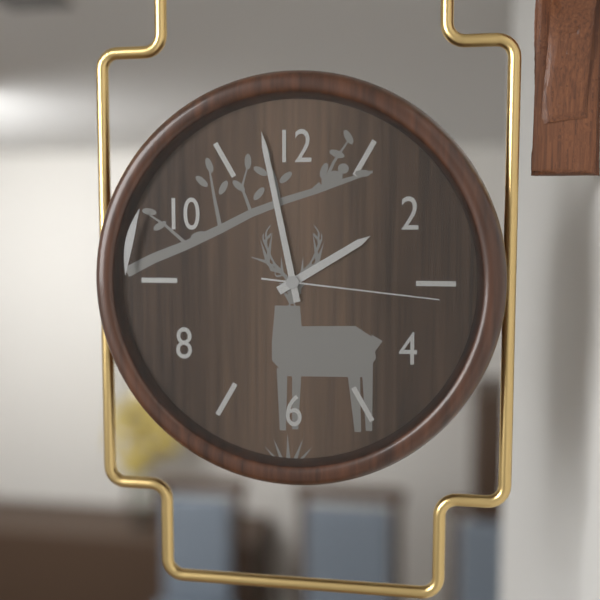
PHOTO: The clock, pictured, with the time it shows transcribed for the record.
1:58:16
